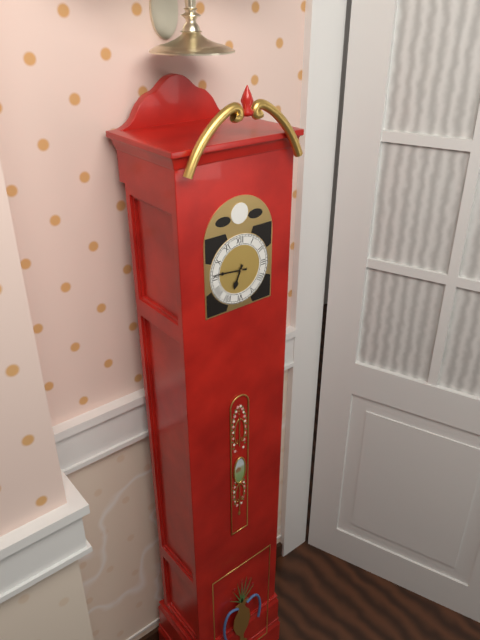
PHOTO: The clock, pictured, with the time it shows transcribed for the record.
6:46
